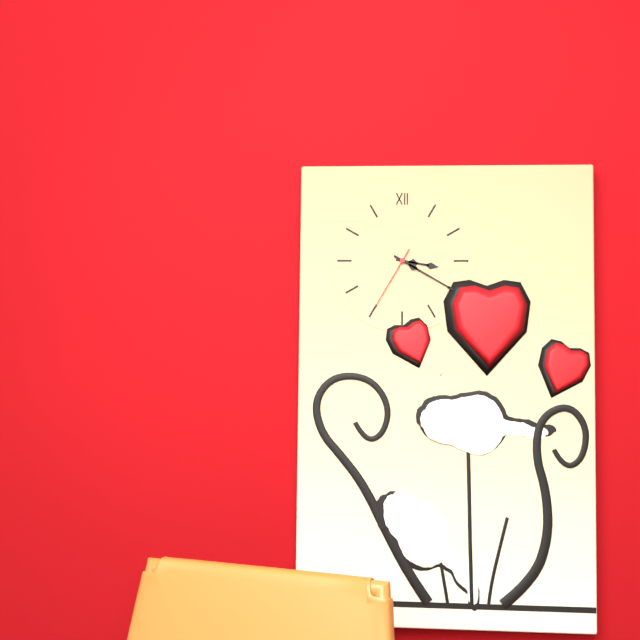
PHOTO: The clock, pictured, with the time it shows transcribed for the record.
3:20:35
